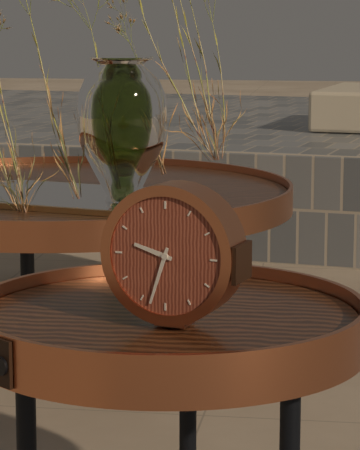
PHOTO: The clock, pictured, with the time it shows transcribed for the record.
9:33
